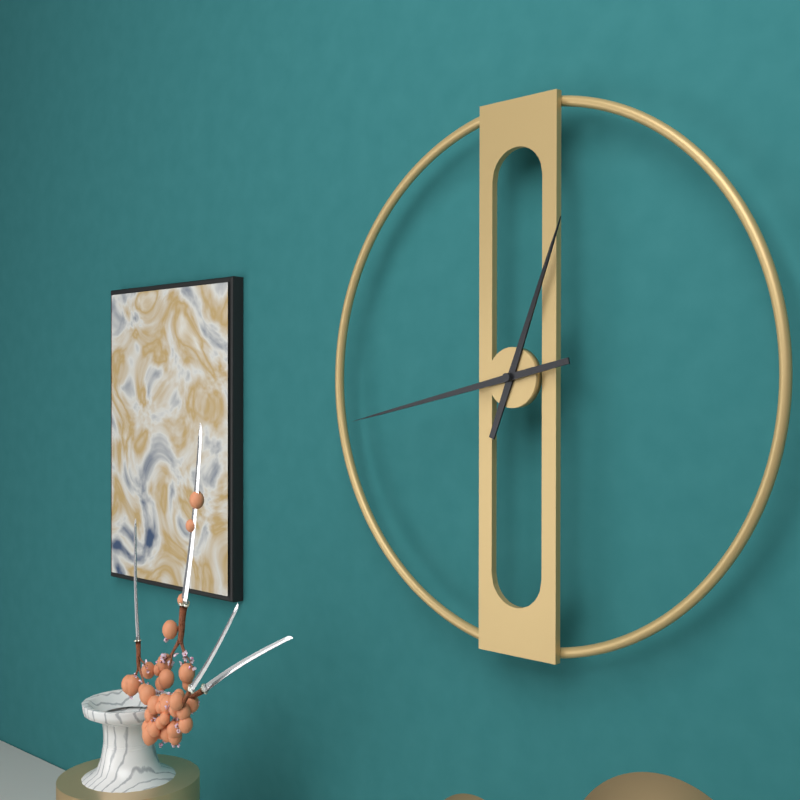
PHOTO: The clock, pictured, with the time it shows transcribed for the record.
12:43
